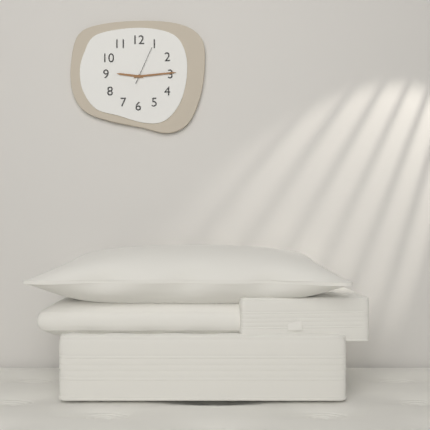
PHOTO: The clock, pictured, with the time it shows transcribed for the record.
9:14
